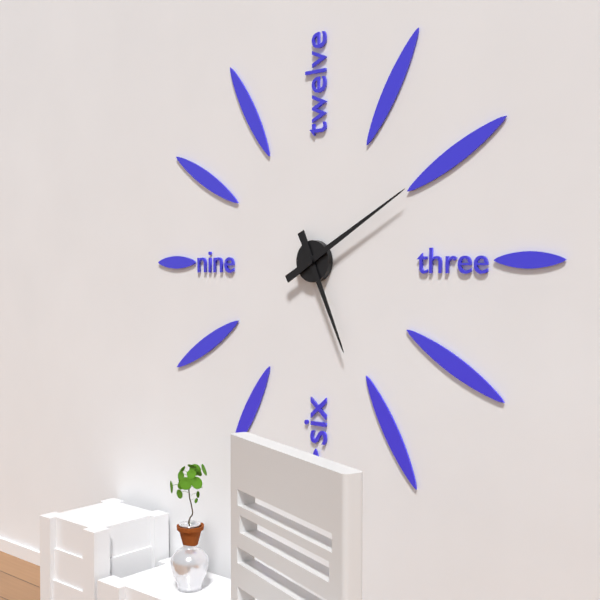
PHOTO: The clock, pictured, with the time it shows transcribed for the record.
5:10
